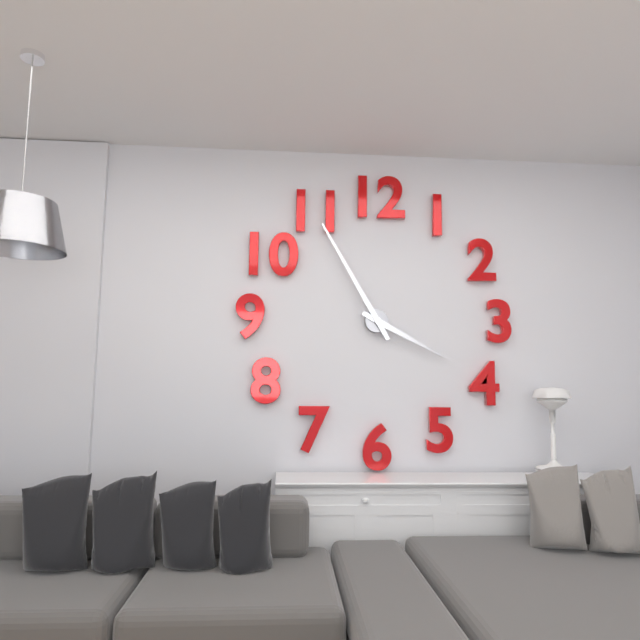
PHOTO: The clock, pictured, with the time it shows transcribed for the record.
3:55
